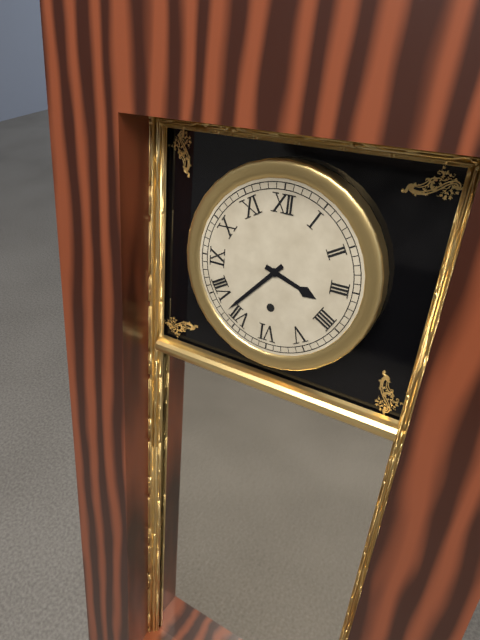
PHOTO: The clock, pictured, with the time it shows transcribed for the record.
3:37
